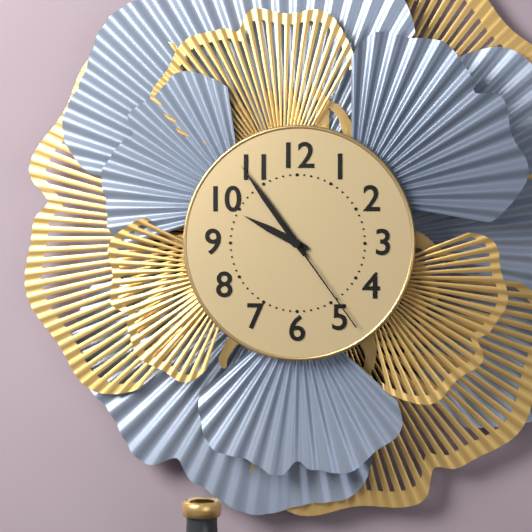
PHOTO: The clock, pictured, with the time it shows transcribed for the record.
9:54:24
